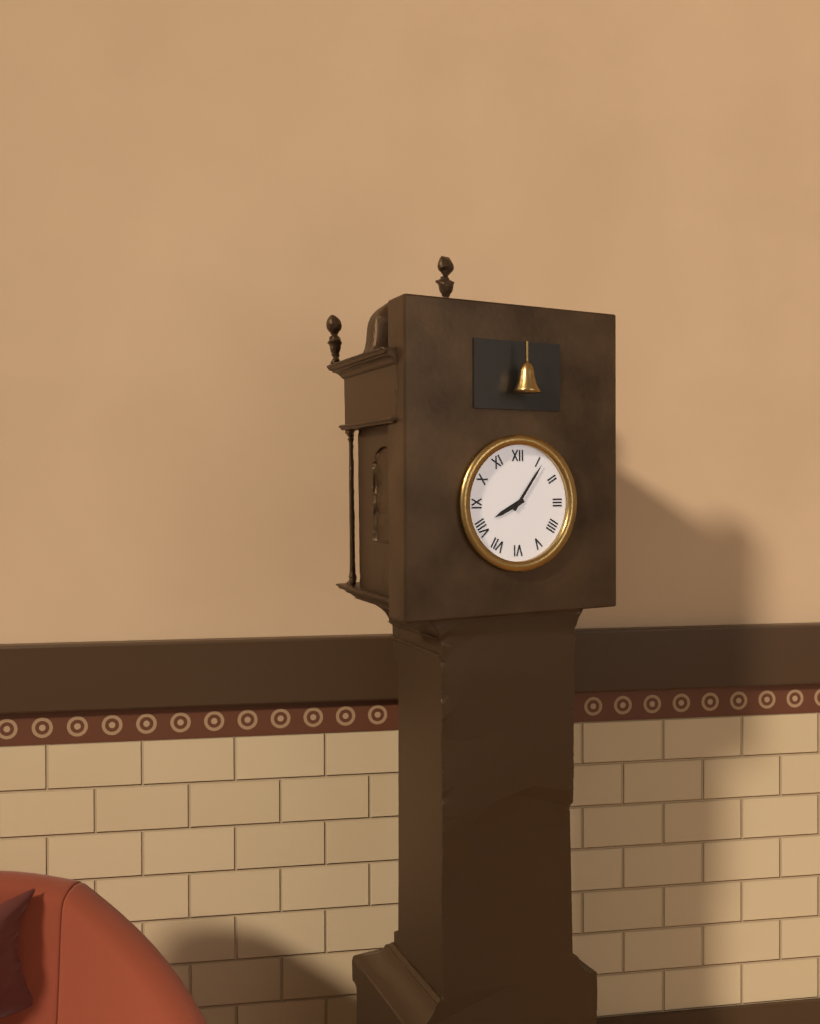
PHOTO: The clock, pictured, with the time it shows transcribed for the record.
8:06
